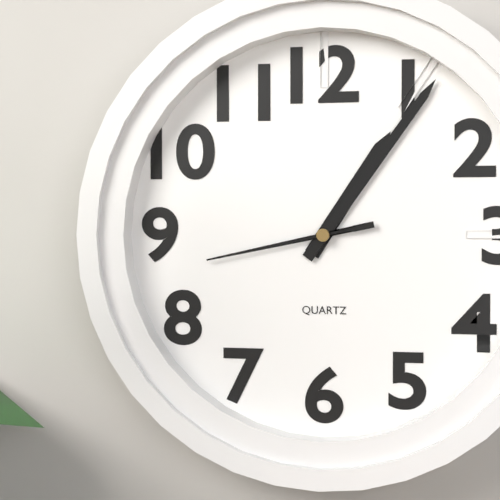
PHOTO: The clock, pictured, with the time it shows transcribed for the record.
1:06:43
